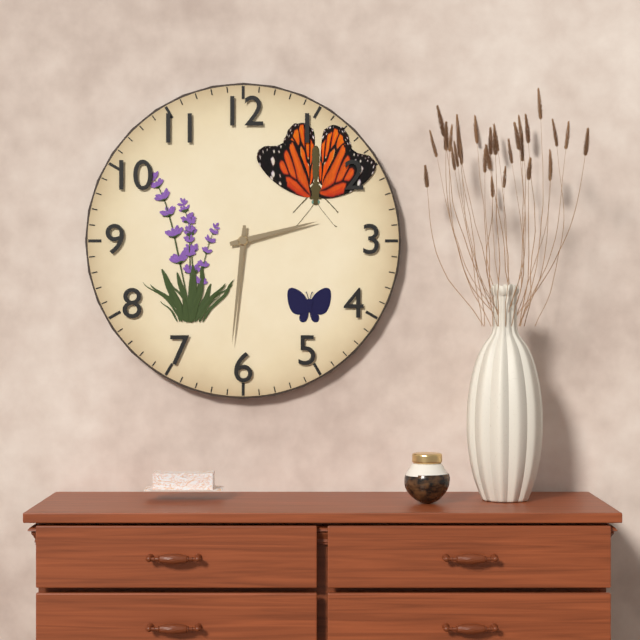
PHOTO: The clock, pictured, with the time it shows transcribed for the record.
2:31
